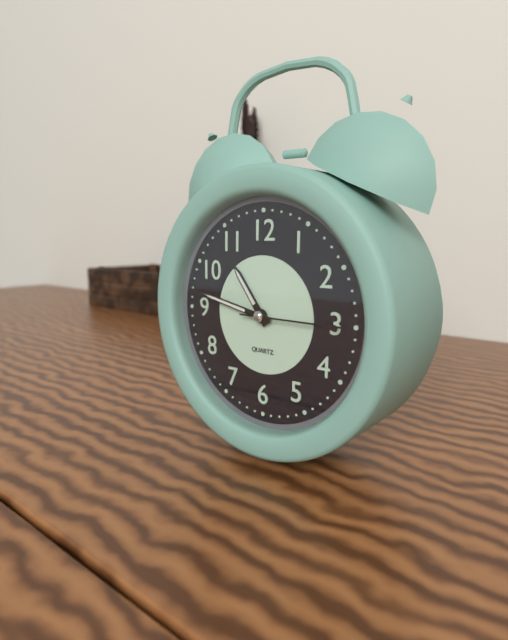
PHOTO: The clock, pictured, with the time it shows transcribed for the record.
10:47:15
